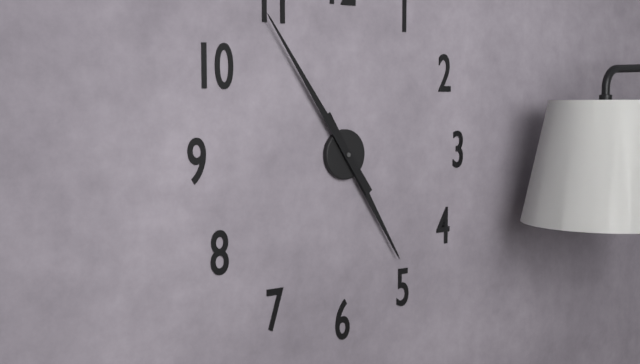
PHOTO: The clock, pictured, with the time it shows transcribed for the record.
4:54
